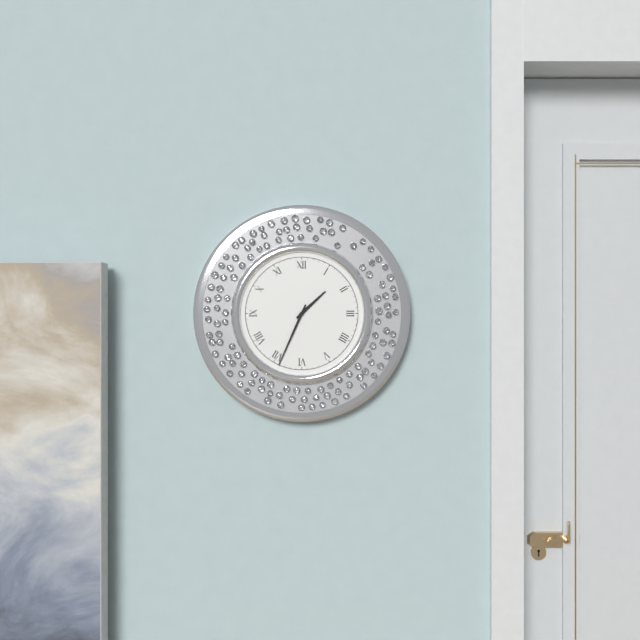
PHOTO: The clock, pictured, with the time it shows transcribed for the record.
1:34
